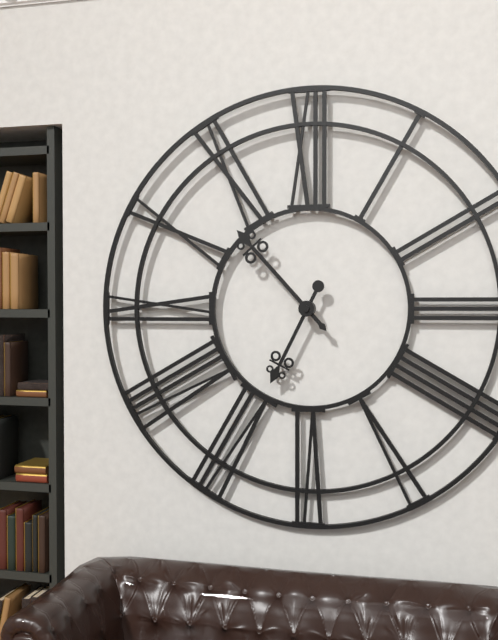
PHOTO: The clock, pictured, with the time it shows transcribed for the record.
6:53
